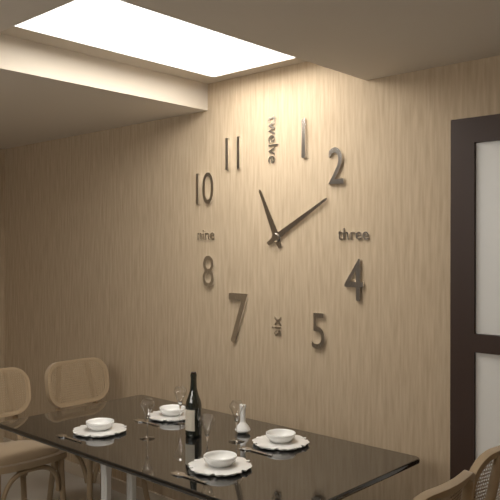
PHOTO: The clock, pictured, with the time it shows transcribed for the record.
11:10
